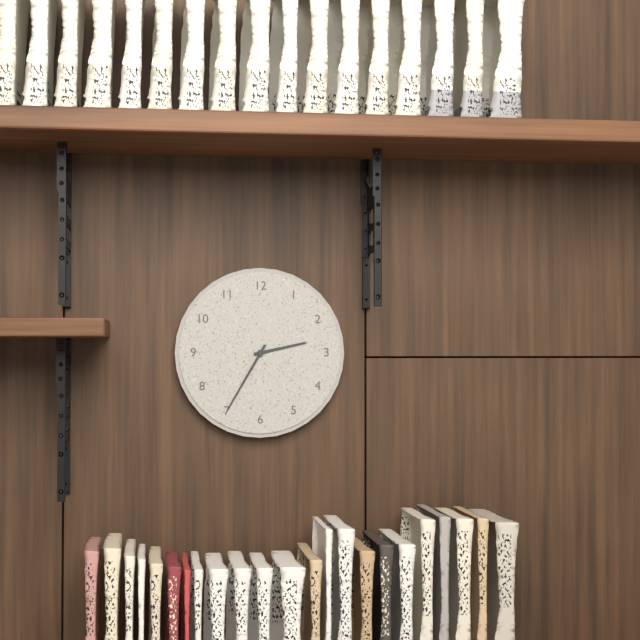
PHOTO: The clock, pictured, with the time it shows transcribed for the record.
2:35
